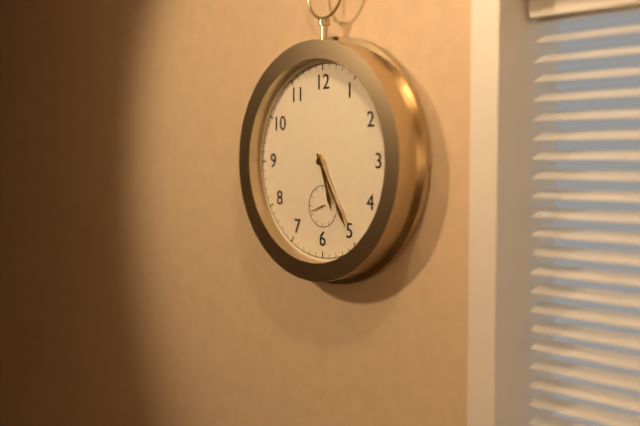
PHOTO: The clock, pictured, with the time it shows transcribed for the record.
5:25
